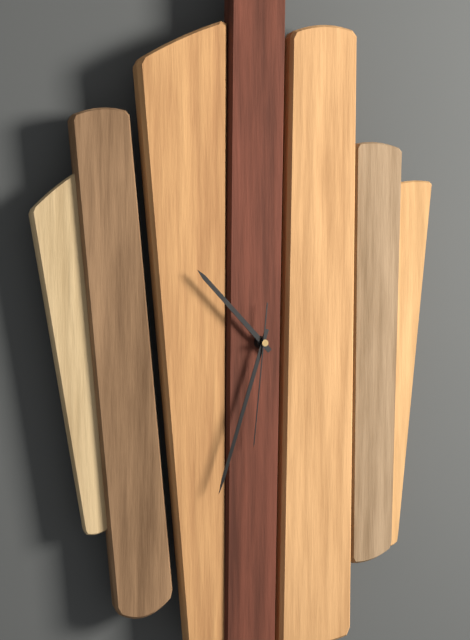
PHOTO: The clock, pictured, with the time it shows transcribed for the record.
10:33:31
